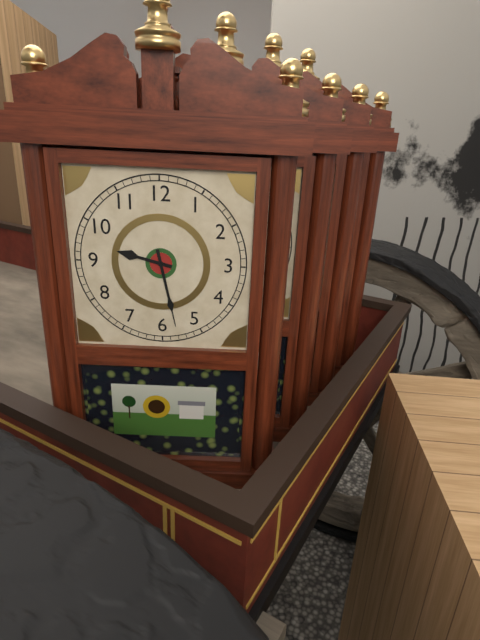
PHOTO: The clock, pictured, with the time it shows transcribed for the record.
9:28
